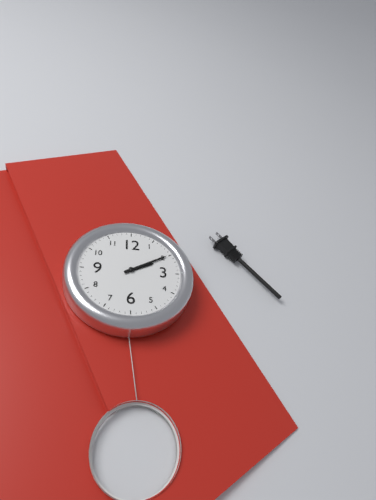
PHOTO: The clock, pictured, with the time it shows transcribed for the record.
2:10
